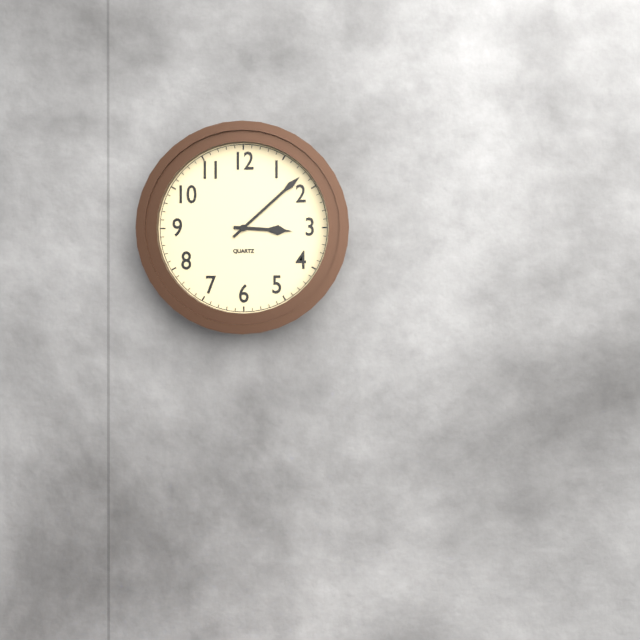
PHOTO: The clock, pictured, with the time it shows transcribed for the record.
3:08
